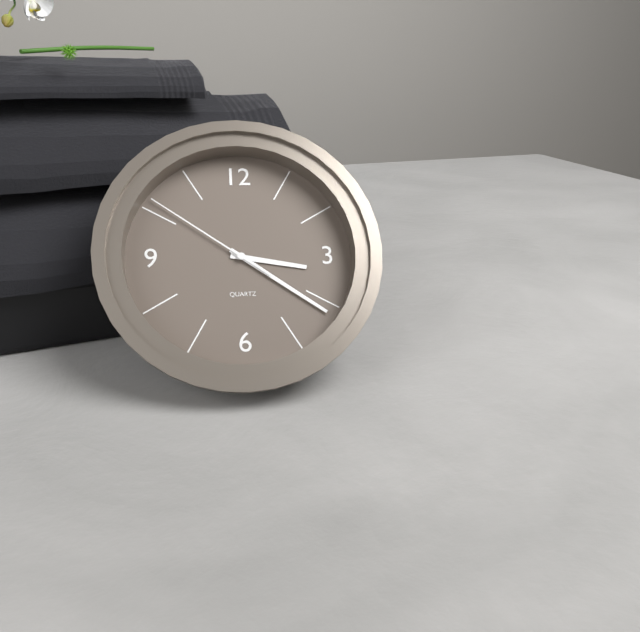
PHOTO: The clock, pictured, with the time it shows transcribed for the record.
3:21:51
